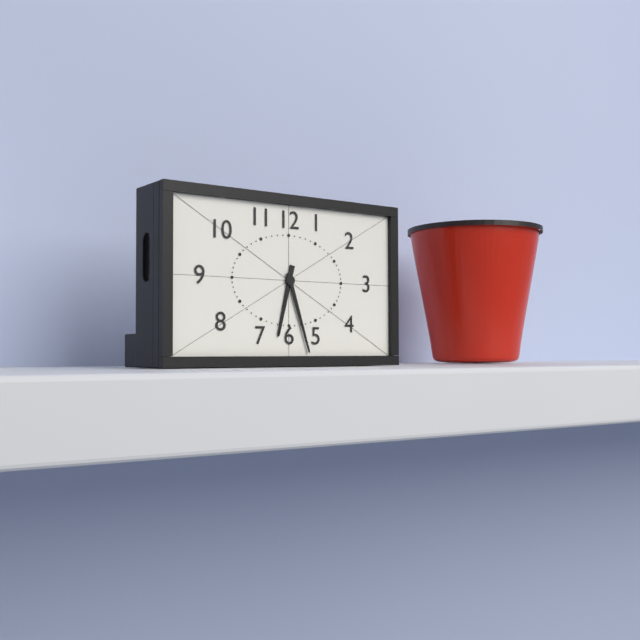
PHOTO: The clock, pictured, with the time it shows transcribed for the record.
6:27
